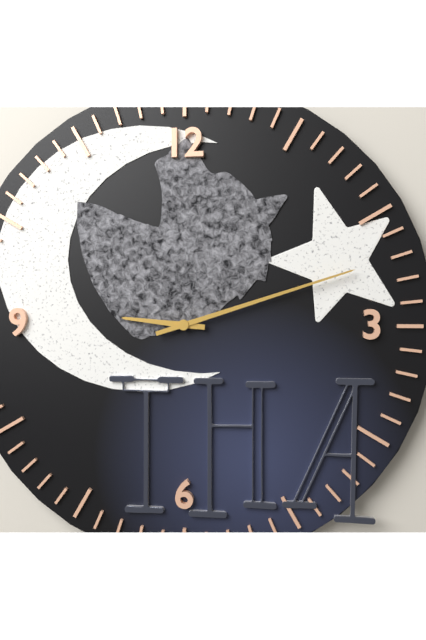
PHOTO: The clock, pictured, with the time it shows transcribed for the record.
9:12
